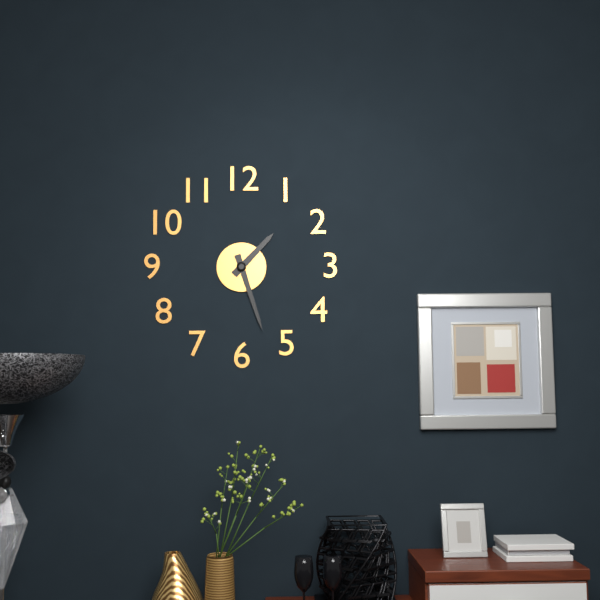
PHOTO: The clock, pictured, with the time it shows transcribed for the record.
1:27
